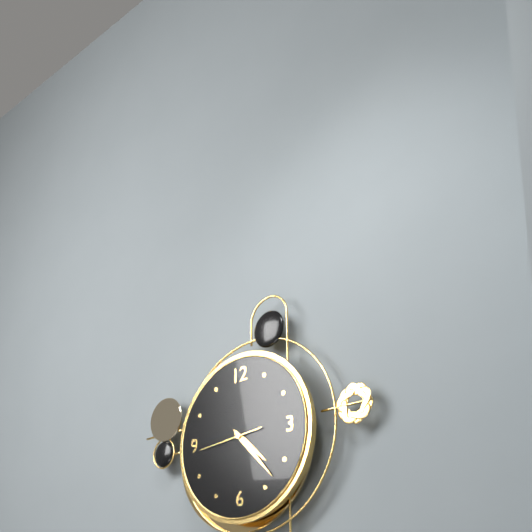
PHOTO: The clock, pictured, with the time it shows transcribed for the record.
4:23:44
